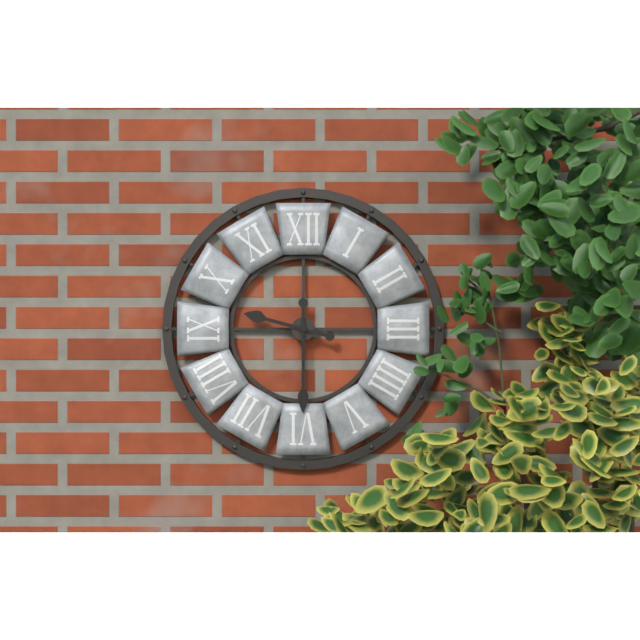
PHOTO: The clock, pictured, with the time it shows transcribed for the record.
9:30
